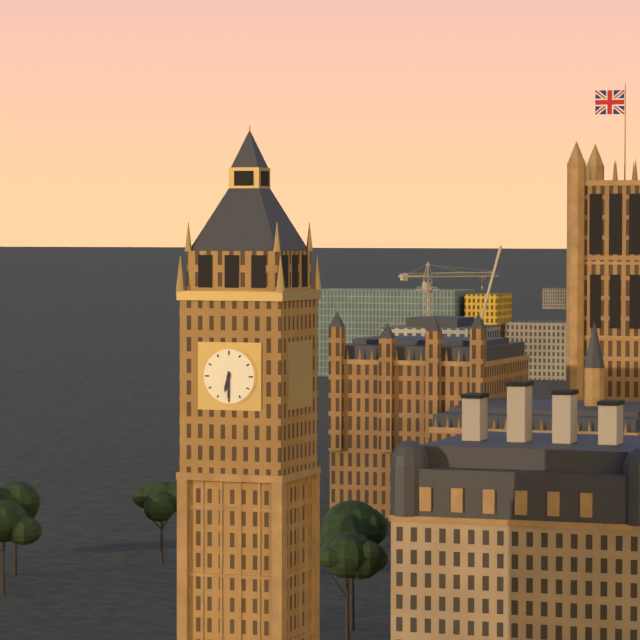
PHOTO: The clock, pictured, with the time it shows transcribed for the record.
6:30
